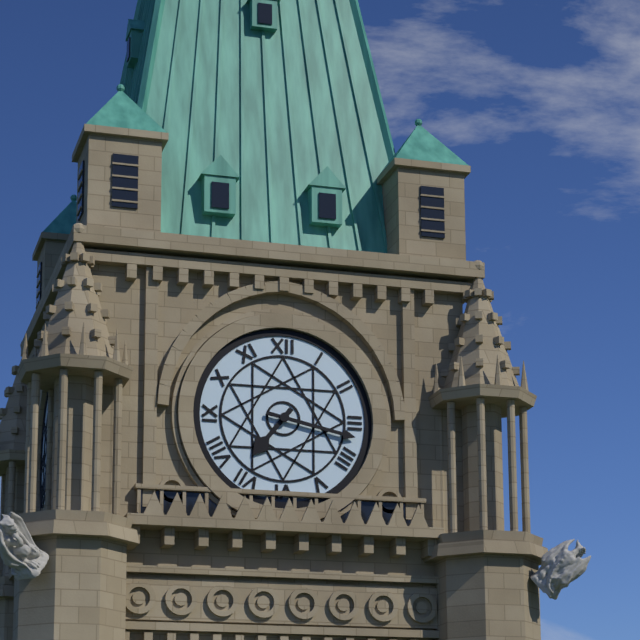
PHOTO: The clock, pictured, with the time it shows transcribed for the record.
7:17
